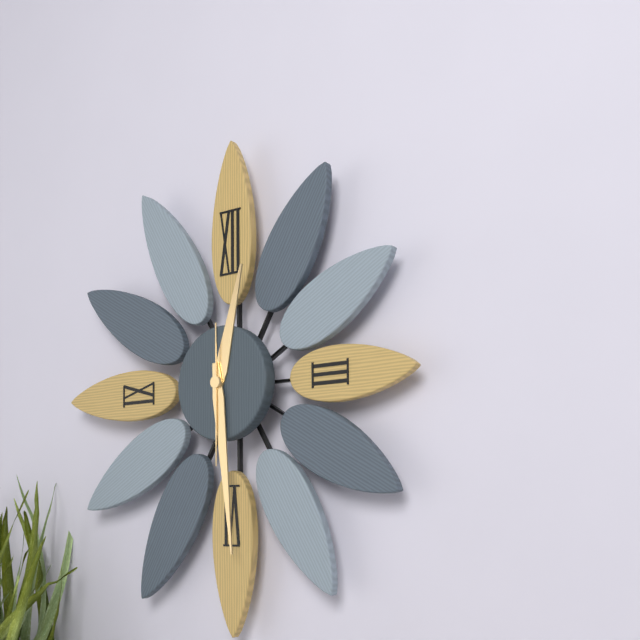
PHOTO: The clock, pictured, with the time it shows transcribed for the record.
12:29:30
